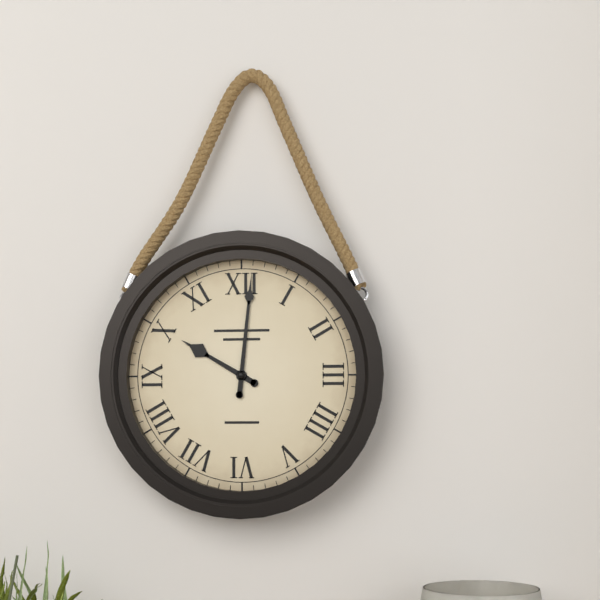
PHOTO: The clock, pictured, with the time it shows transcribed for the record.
10:01
